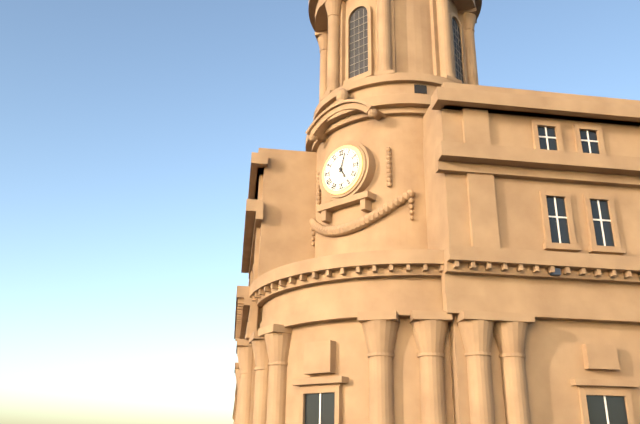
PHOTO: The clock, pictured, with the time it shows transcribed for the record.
5:03
